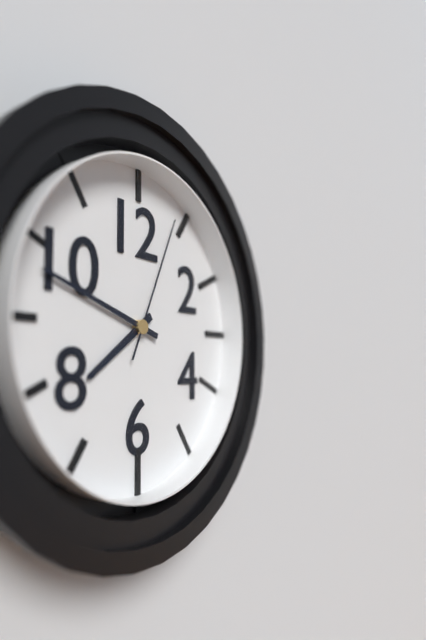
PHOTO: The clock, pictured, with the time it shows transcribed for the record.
7:48:04
